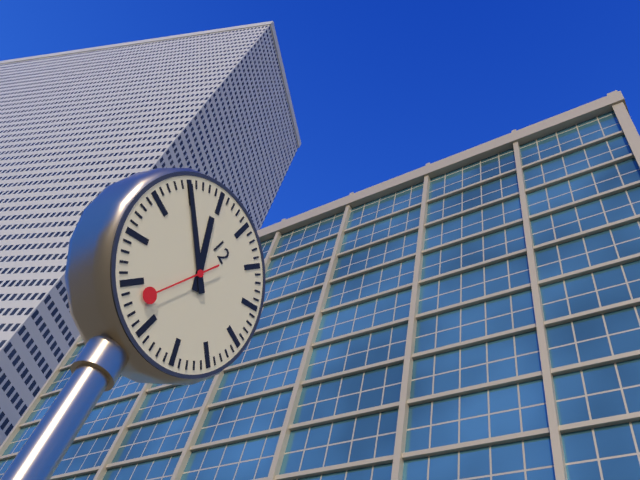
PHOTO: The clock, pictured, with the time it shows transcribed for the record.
10:50:33
